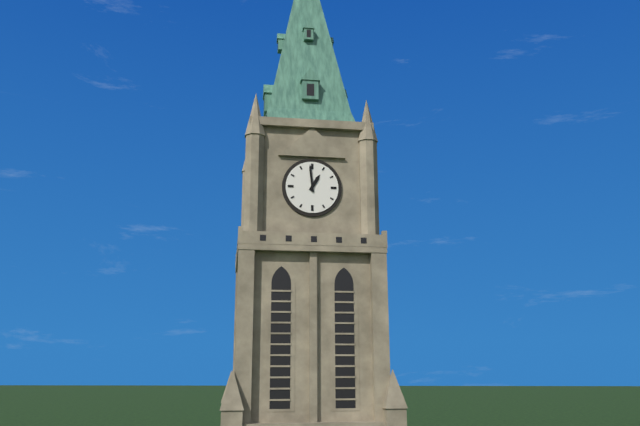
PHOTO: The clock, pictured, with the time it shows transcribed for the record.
12:59
